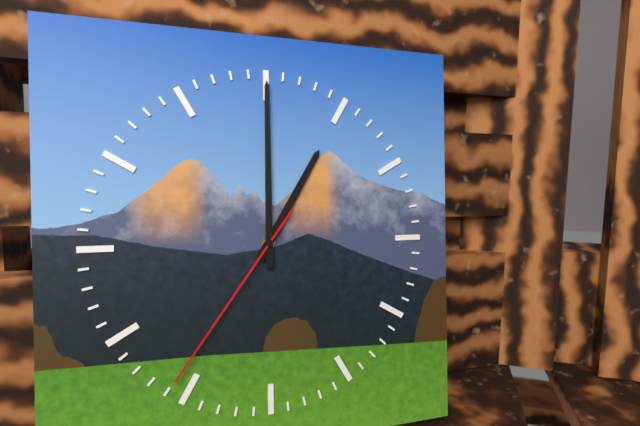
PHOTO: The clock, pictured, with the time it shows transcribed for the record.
1:00:36
